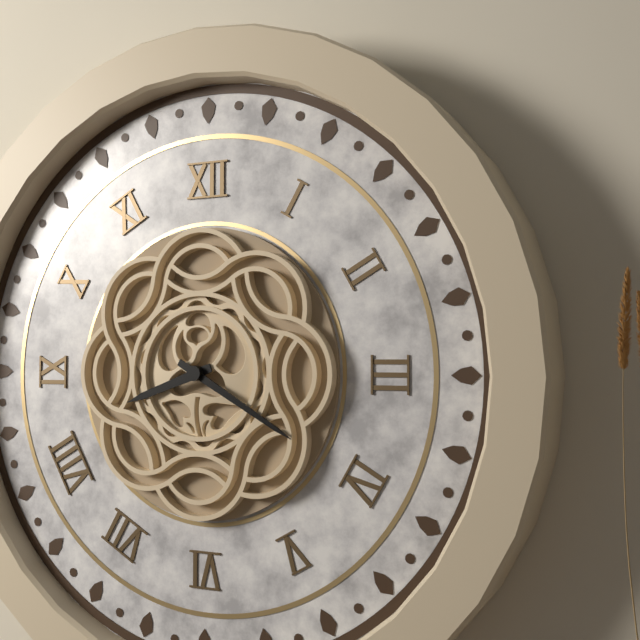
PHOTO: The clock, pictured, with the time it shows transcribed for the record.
8:20
